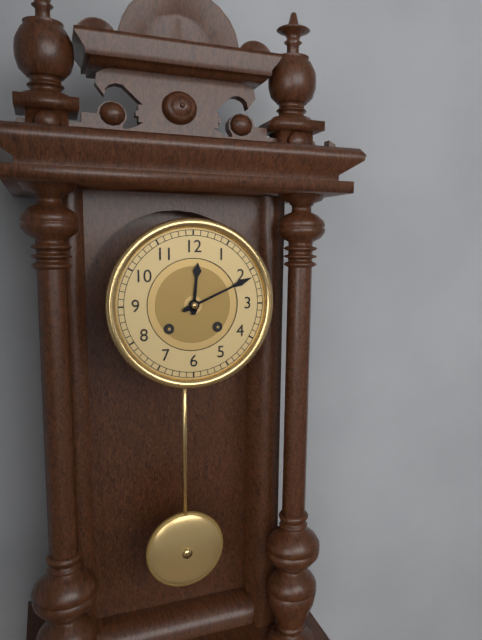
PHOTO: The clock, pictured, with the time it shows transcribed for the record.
12:11
